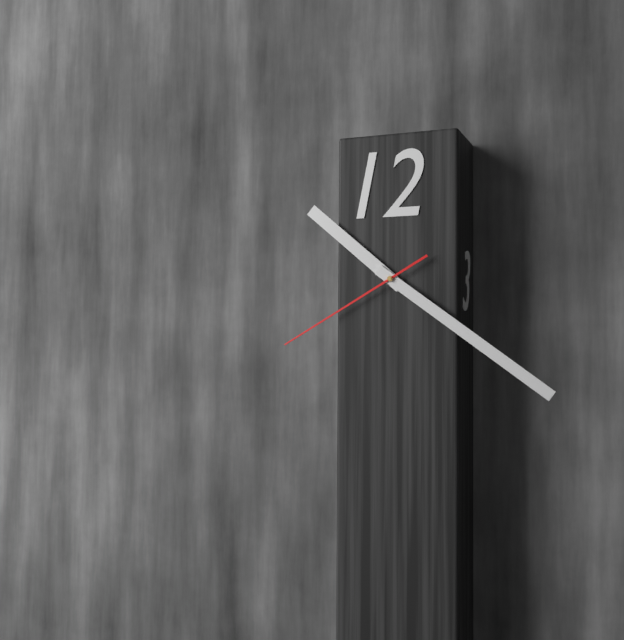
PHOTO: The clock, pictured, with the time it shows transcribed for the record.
10:21:40
